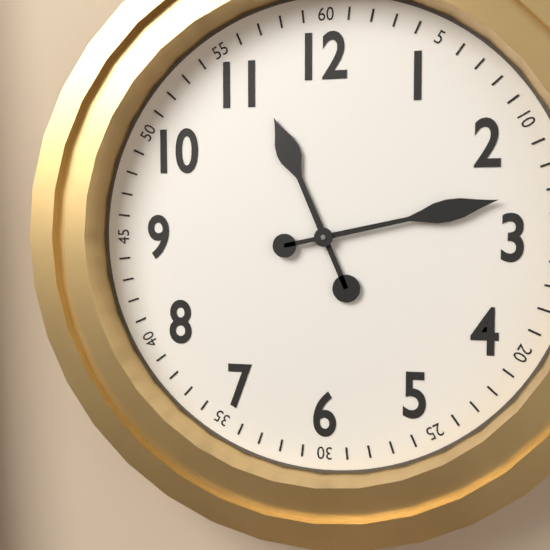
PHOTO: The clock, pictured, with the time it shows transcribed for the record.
11:13
